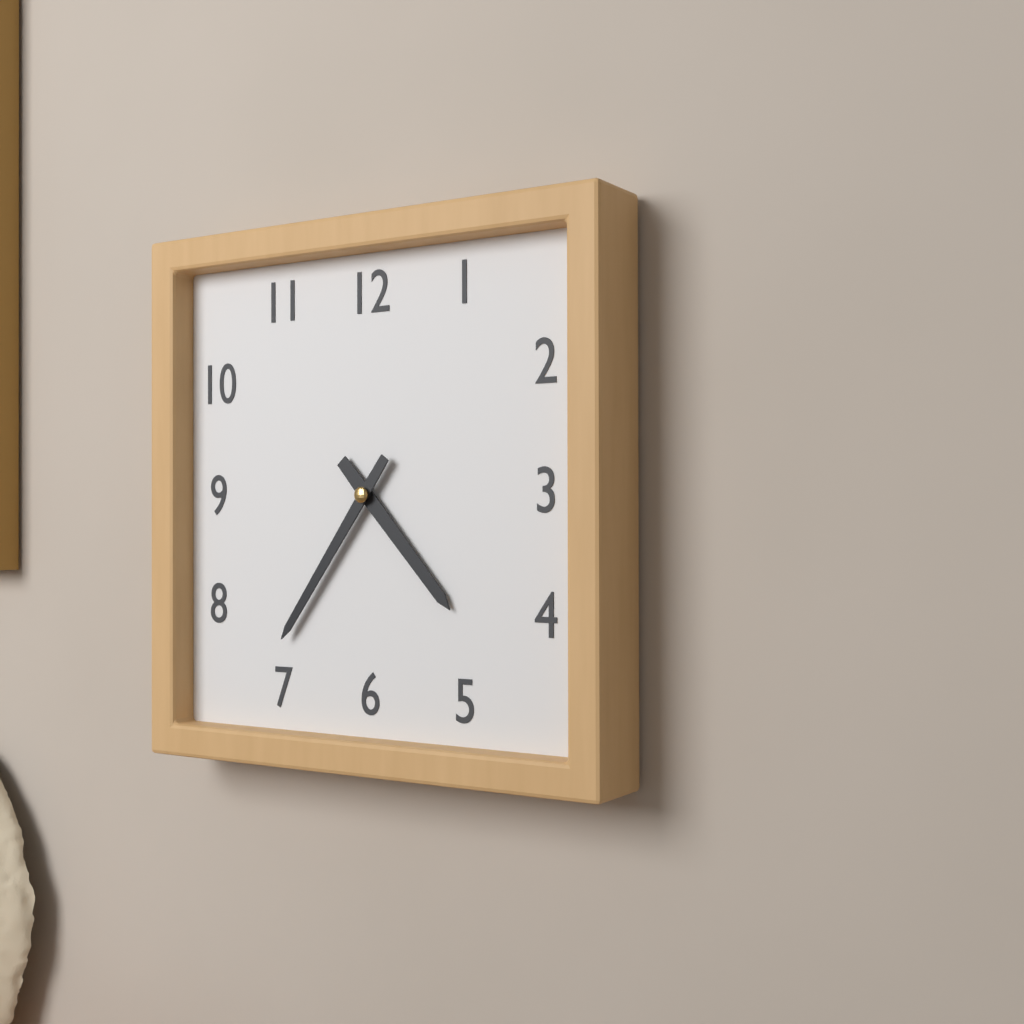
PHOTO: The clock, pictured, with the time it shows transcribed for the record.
4:36
